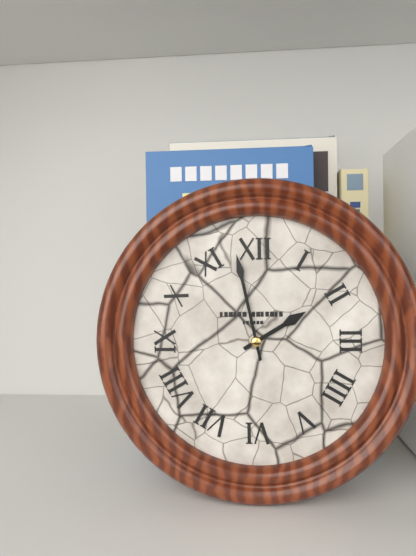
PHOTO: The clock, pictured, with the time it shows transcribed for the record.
1:58
